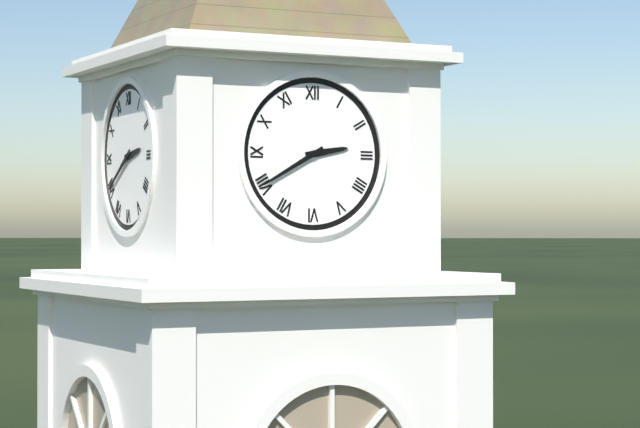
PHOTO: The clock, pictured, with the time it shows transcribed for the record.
2:40
